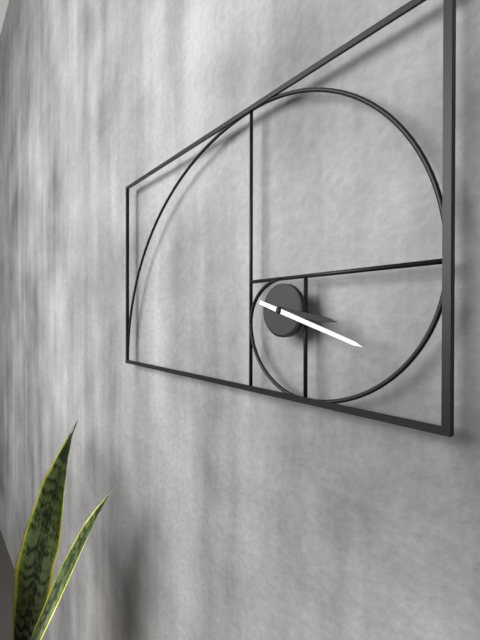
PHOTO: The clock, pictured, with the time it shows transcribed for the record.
3:18
